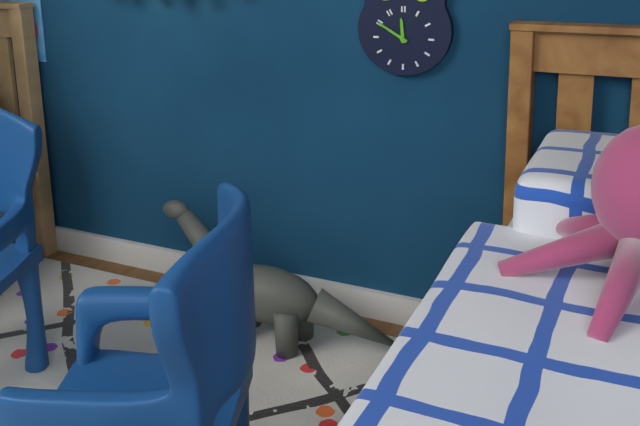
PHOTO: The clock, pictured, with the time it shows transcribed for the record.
11:50
